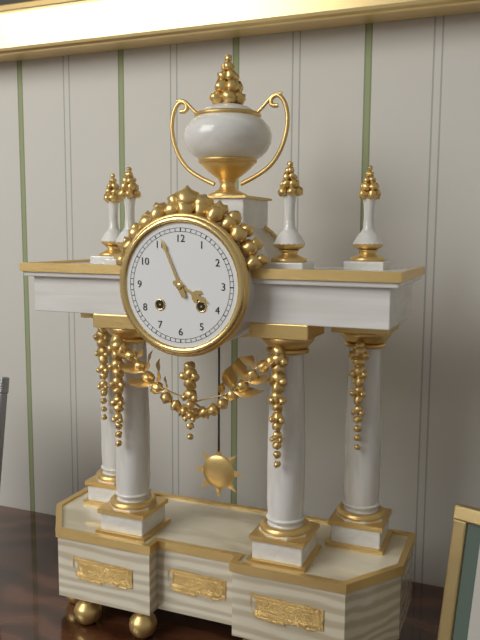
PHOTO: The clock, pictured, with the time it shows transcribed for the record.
3:56
